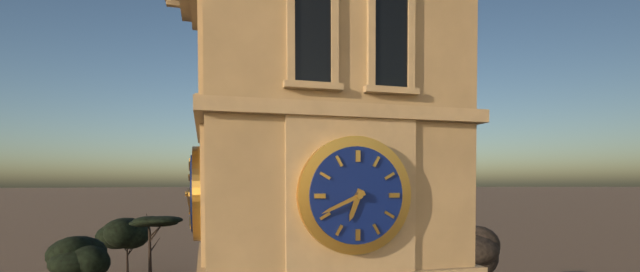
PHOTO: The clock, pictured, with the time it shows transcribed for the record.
6:41
